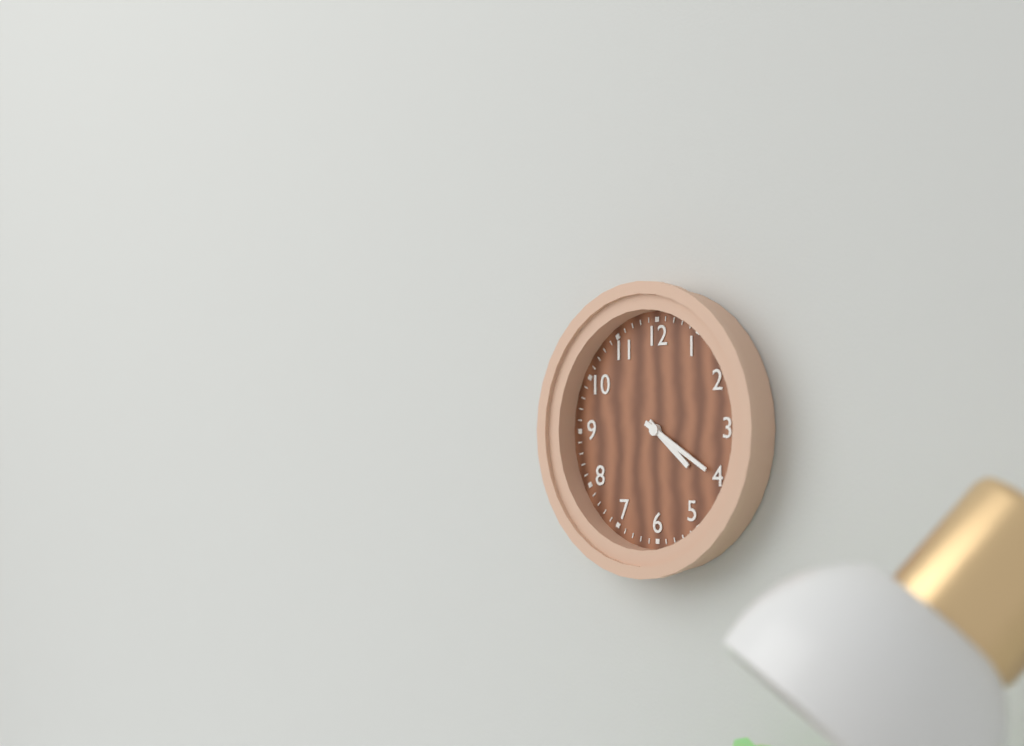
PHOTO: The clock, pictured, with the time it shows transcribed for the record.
4:20
